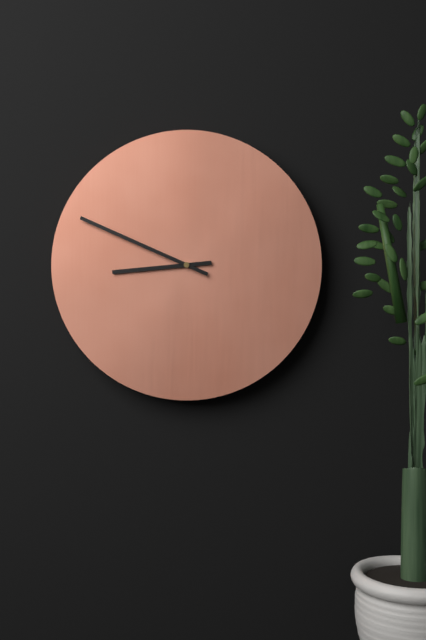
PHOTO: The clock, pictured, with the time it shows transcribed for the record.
8:49
